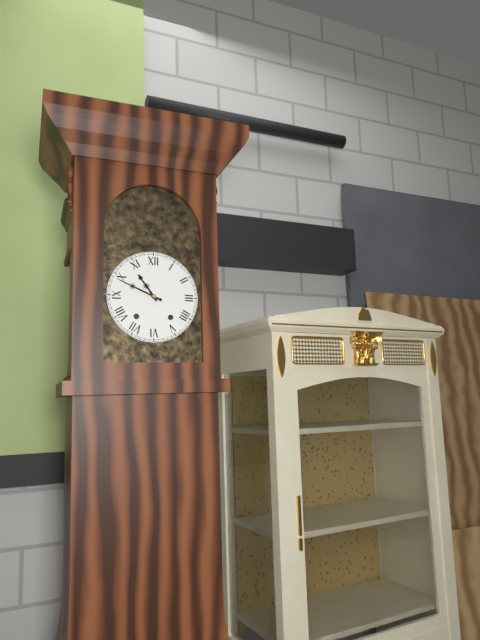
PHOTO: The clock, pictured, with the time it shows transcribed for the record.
10:49
